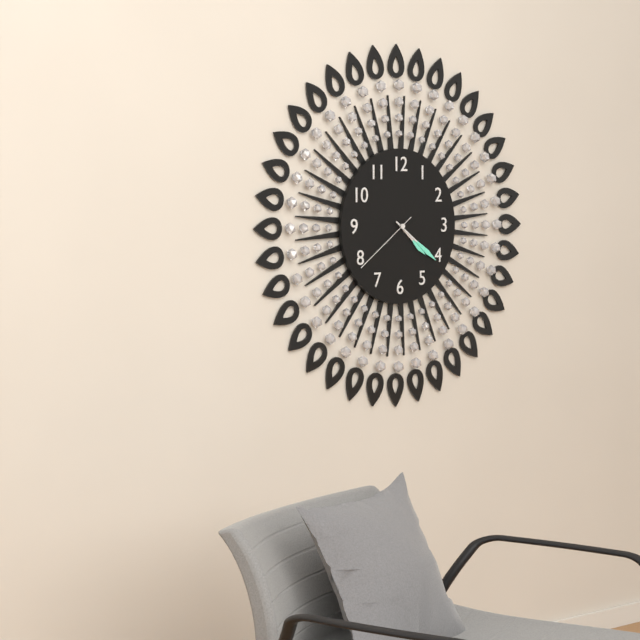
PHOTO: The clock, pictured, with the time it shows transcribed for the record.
4:21:39
